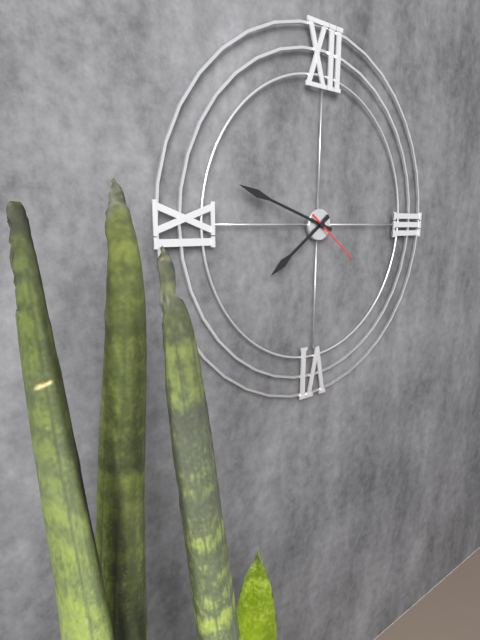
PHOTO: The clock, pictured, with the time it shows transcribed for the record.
7:48:21
